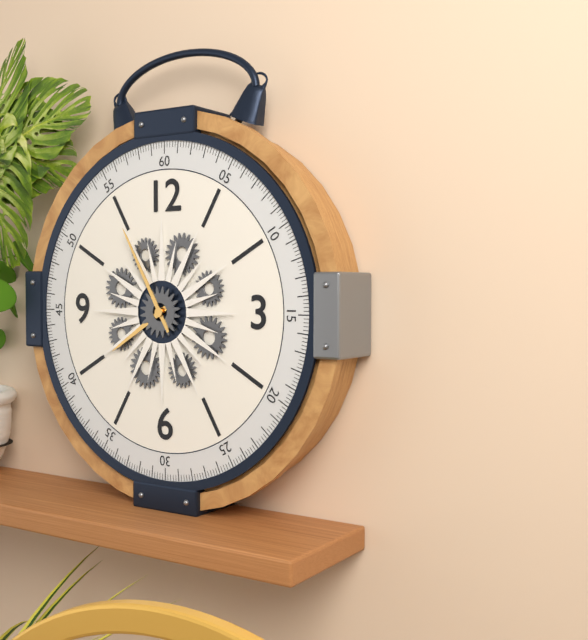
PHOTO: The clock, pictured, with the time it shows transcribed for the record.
7:55
